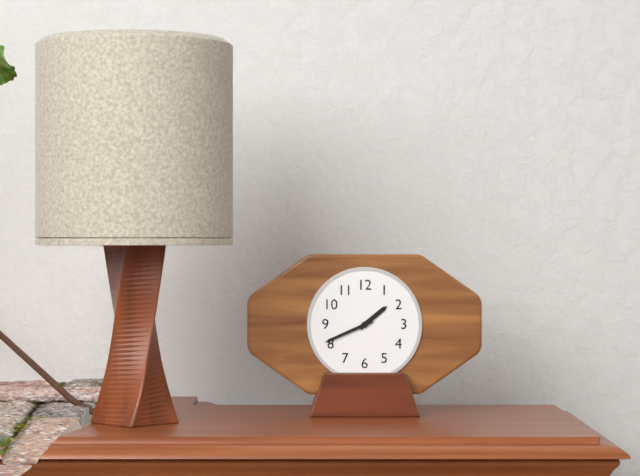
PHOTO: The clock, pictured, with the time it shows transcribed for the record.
1:41
